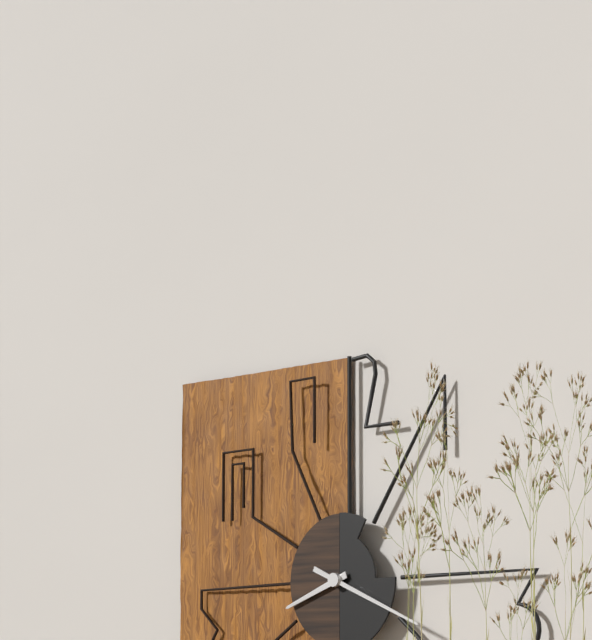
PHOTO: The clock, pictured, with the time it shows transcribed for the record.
8:19
